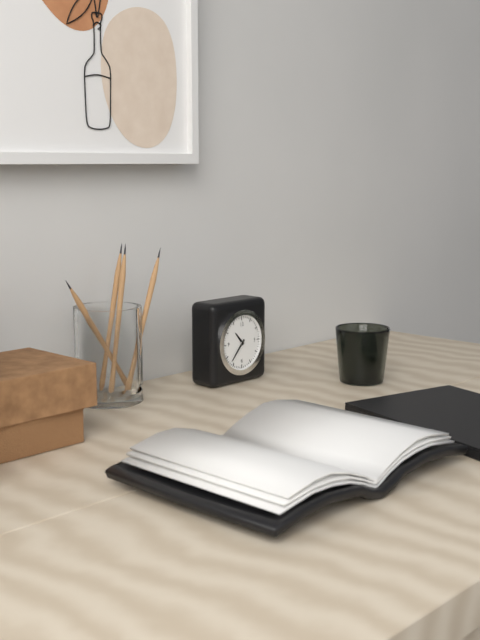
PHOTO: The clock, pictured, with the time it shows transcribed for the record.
10:37
